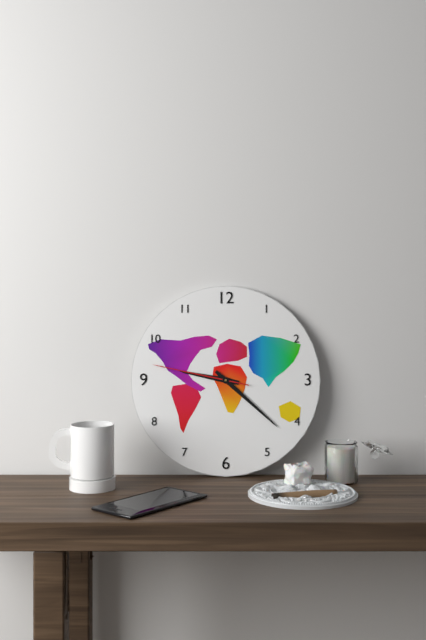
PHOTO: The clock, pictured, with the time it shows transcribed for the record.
9:22:47
